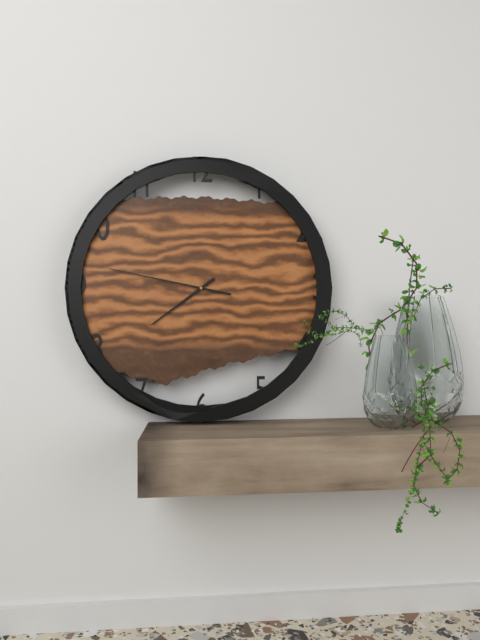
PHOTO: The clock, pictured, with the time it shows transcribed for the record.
7:47
